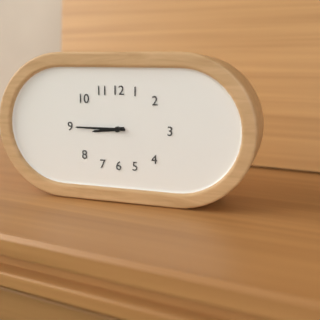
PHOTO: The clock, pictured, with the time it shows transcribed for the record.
8:45
